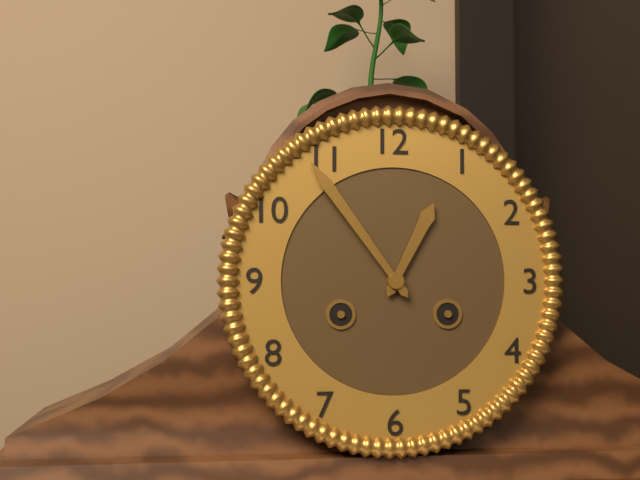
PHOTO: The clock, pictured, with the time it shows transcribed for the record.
12:54
